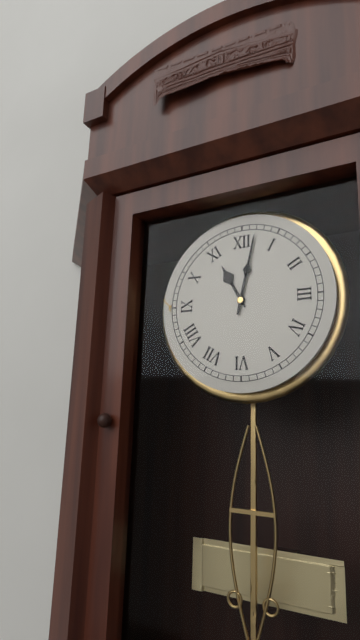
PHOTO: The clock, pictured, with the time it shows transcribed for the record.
11:02
